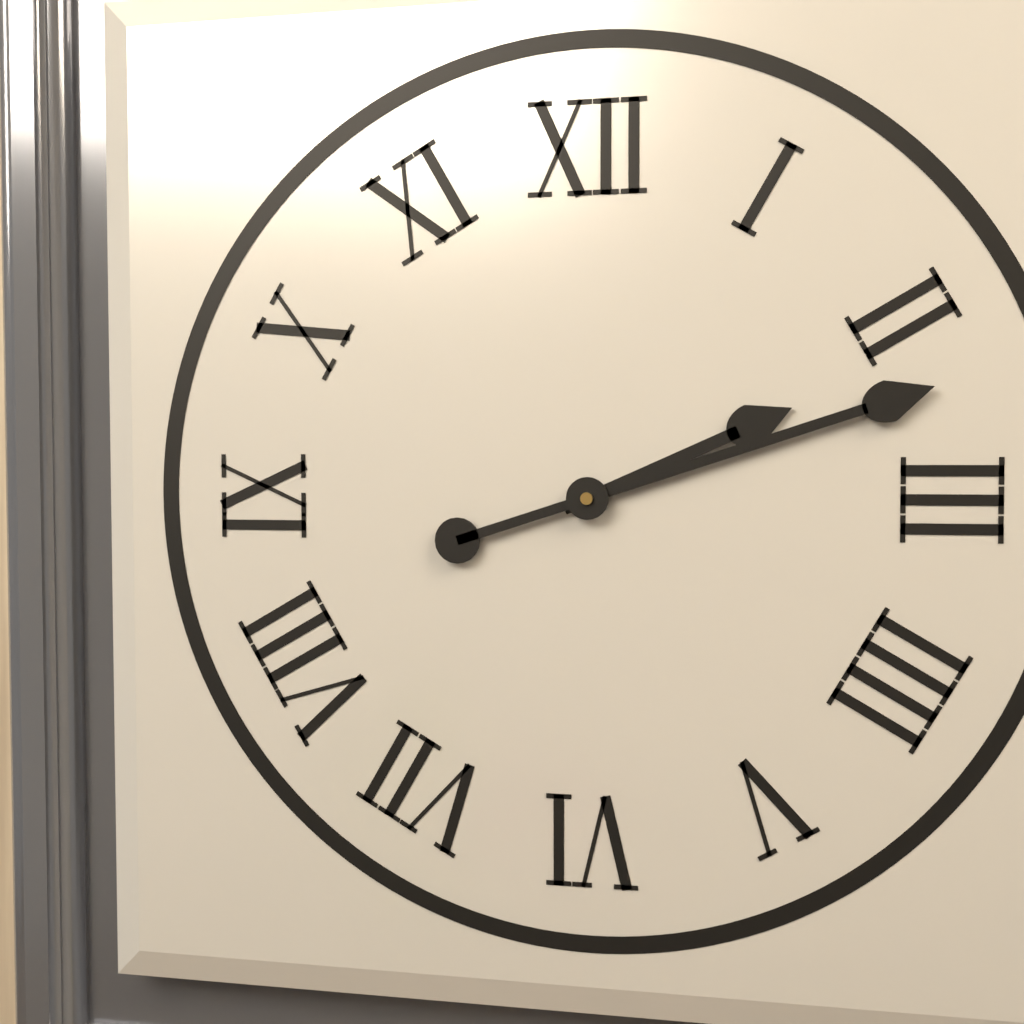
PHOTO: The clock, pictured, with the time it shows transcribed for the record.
2:12
